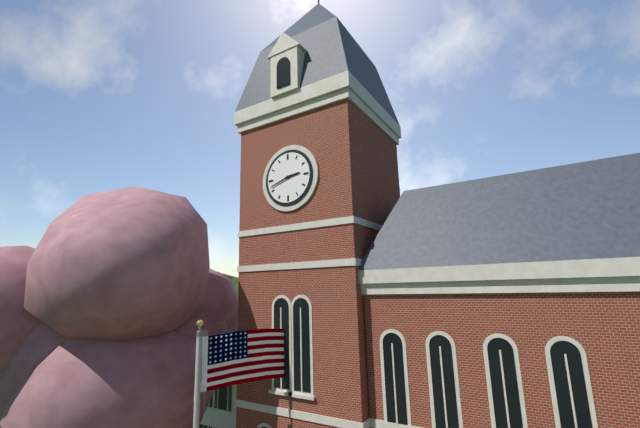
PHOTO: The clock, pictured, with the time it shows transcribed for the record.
2:42
